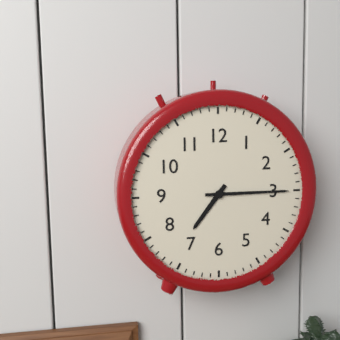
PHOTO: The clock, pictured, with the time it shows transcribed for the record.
7:15
